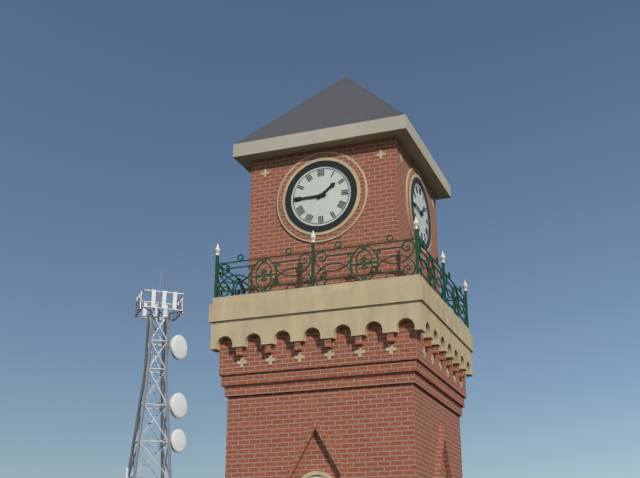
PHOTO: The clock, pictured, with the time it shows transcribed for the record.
1:45
